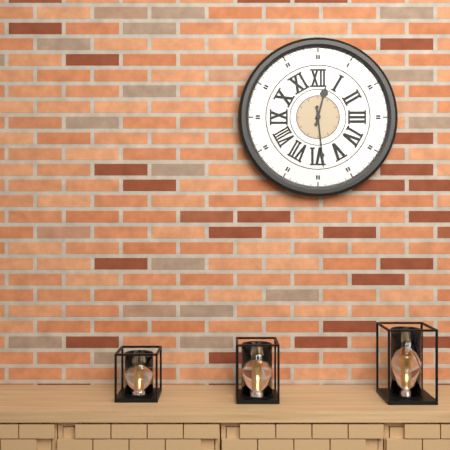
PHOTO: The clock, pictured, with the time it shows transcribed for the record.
12:29
